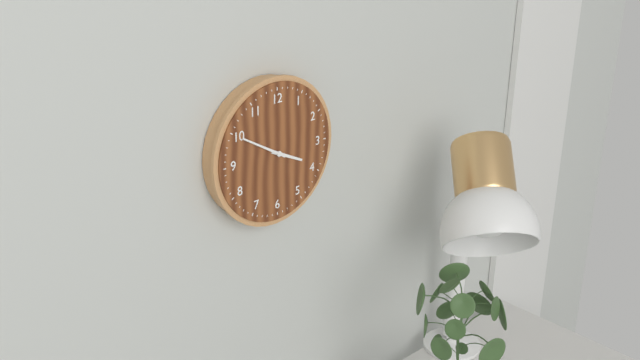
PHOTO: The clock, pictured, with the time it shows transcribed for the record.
3:50
